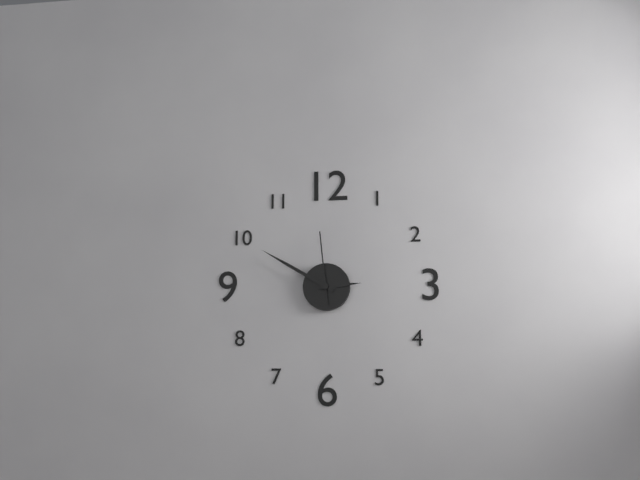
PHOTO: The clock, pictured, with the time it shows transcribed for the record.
2:50:59
